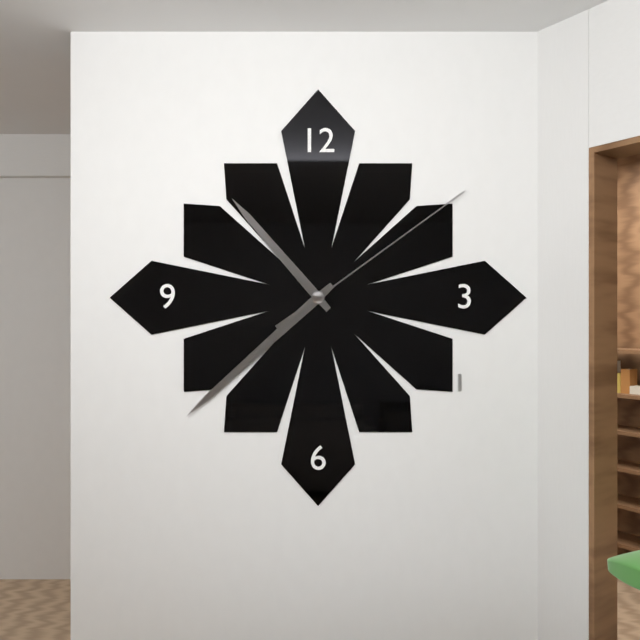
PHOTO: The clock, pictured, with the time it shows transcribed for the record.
10:38:09
